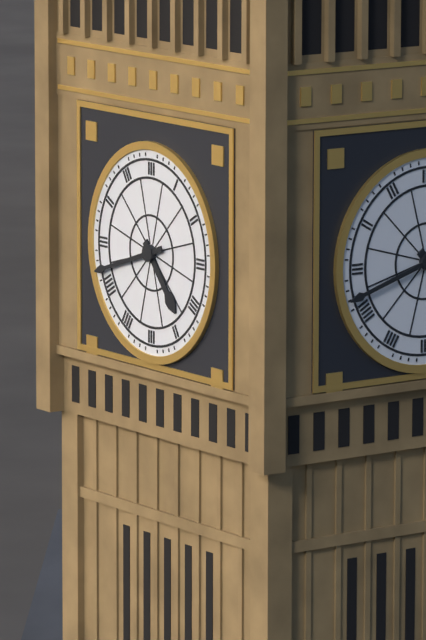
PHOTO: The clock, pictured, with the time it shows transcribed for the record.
4:42
